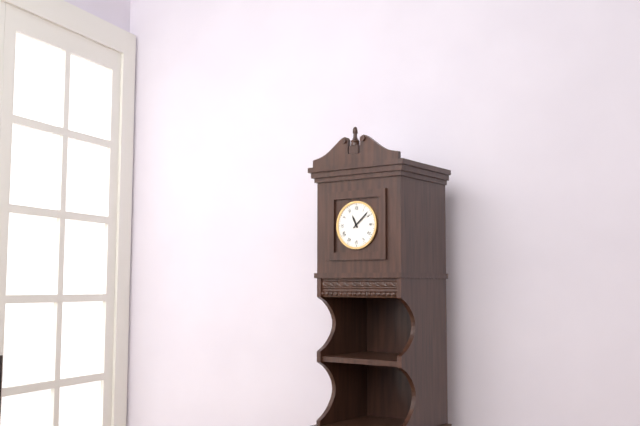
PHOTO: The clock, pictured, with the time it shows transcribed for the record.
11:08
